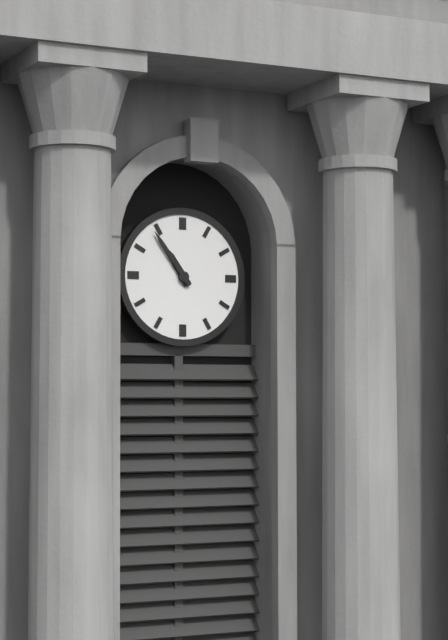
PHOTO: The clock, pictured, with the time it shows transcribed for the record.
10:54
